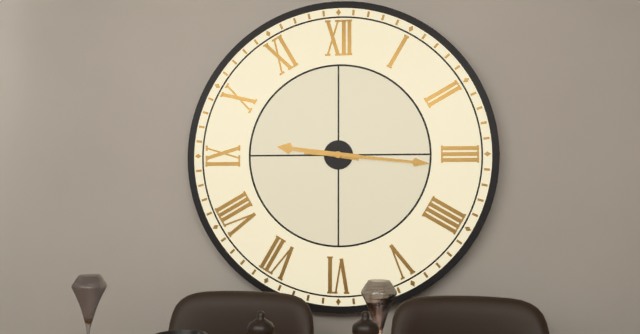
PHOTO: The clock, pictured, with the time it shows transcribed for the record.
9:16
